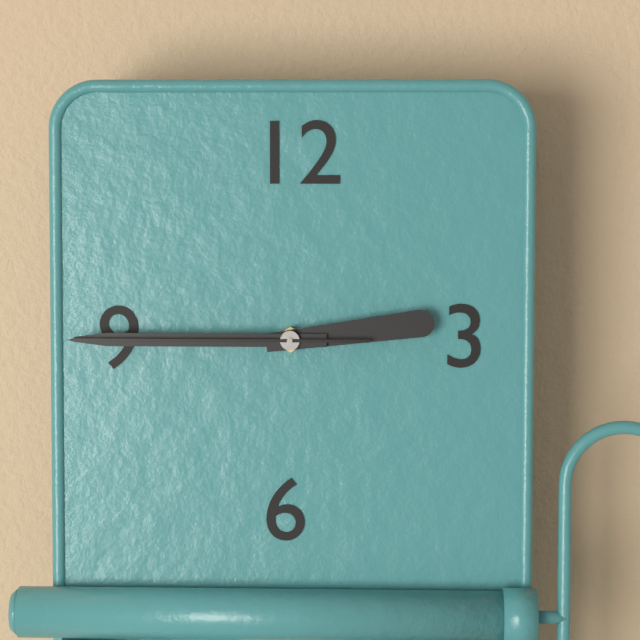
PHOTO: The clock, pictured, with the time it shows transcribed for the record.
2:45:45
